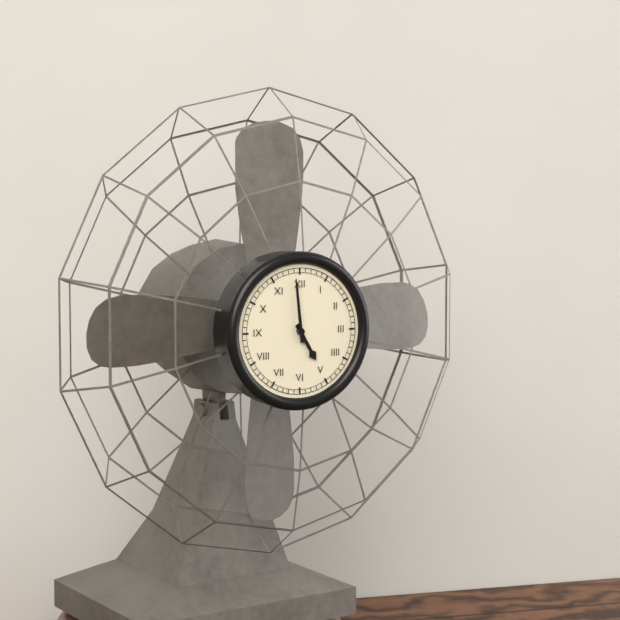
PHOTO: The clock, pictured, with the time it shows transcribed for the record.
4:59
